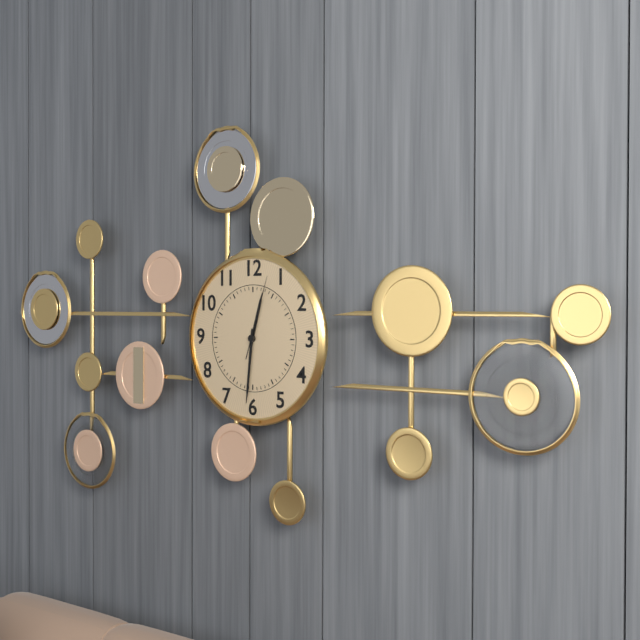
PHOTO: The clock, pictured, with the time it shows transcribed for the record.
12:31:03
